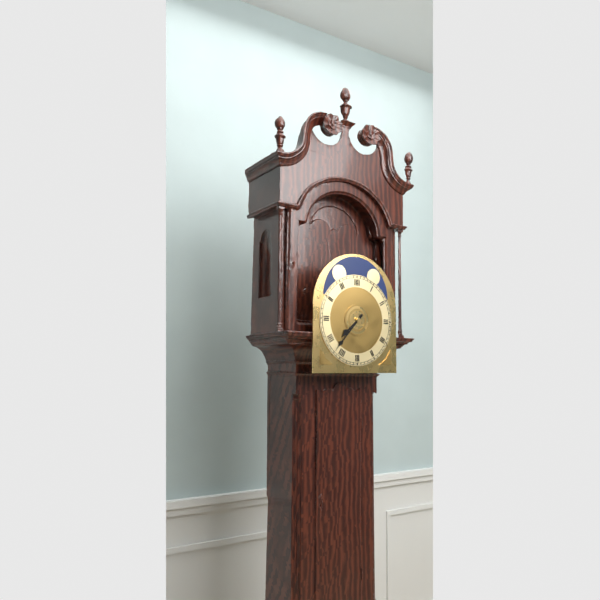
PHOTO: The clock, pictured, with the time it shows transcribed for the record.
7:37
